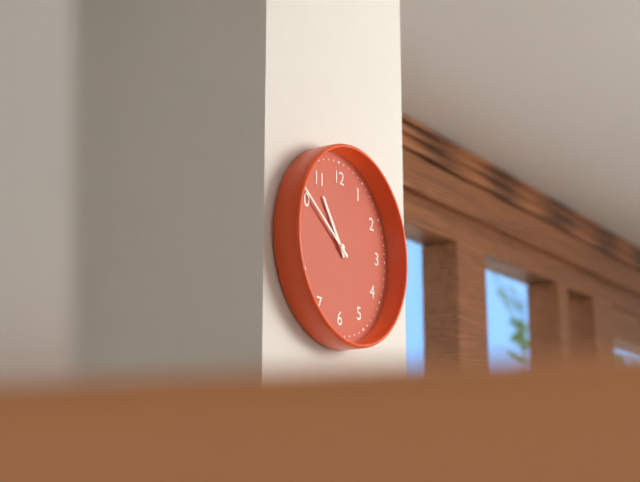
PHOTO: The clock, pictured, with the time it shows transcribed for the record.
10:51
